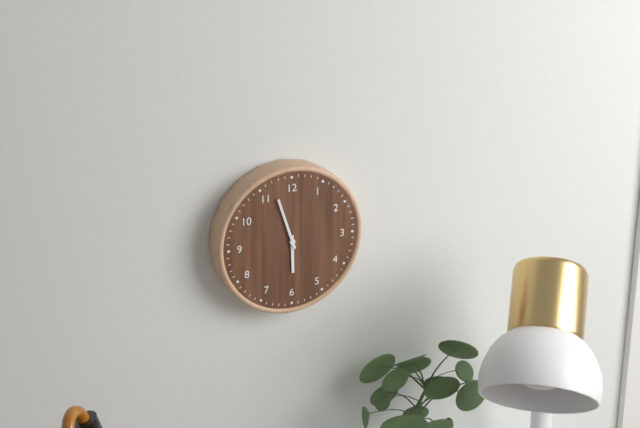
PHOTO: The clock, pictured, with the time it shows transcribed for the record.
5:57
